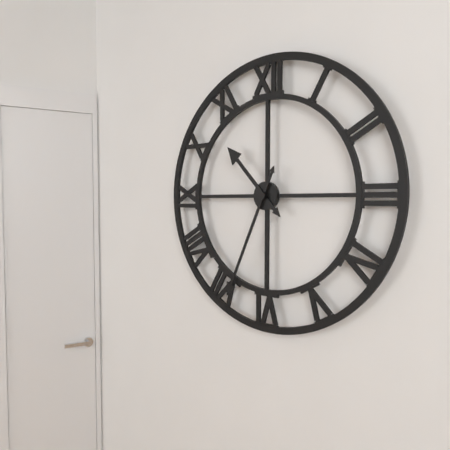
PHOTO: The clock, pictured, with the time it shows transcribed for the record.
10:34
